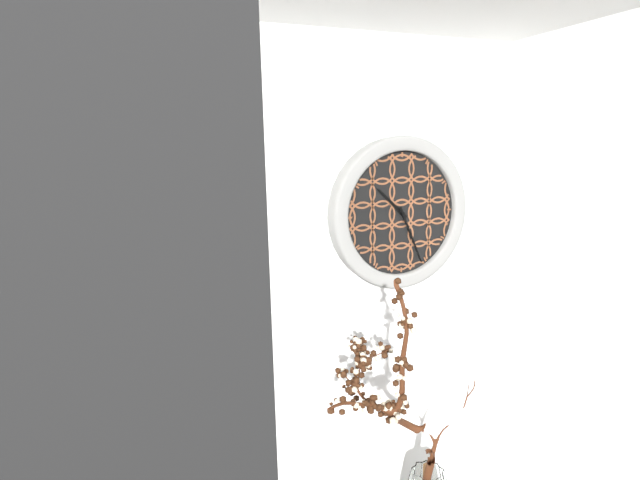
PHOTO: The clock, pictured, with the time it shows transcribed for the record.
10:26
